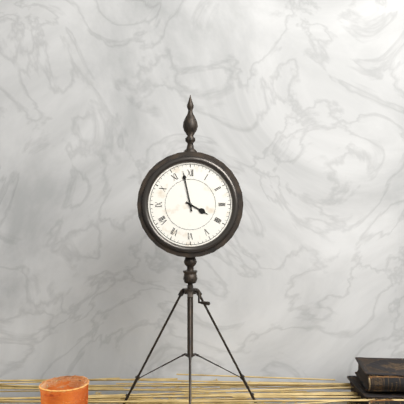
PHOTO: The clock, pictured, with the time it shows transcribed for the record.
3:58
